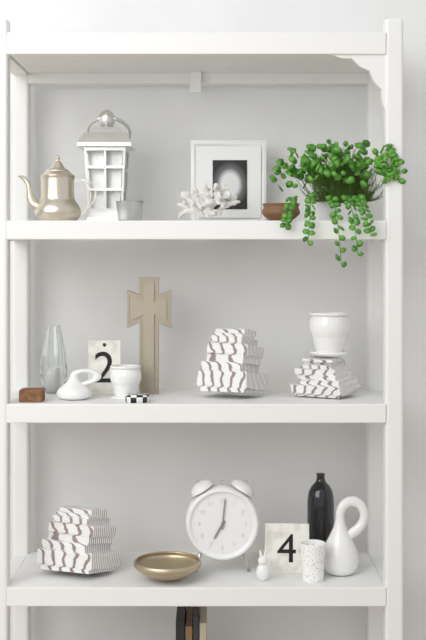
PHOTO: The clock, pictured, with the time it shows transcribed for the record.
7:01
